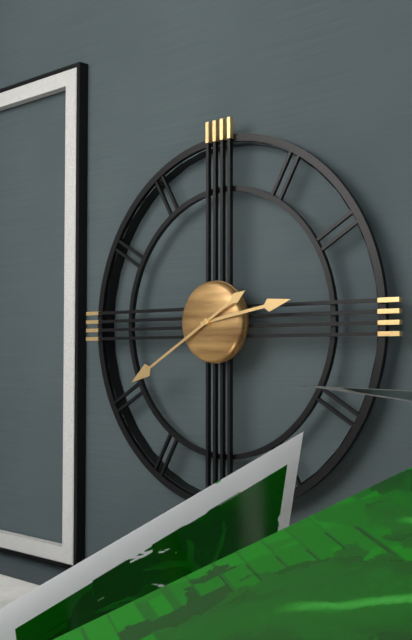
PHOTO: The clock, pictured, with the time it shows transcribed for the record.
2:40
